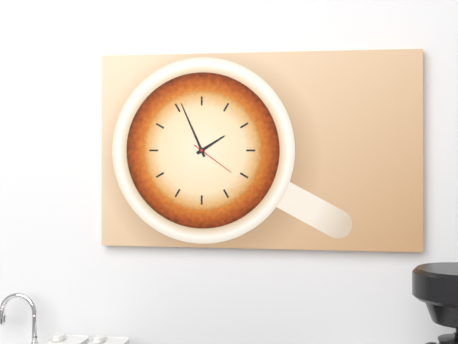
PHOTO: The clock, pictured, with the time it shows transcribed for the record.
1:56
